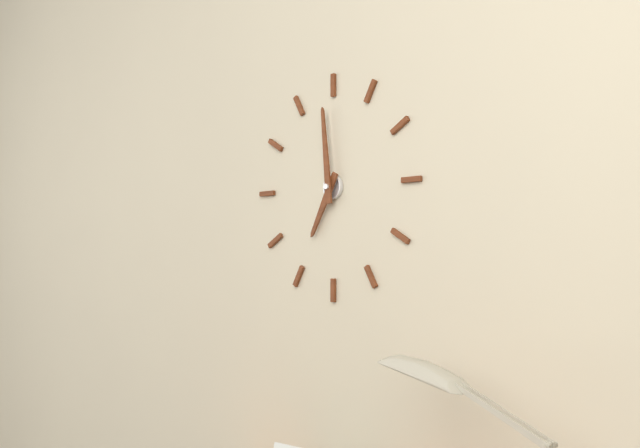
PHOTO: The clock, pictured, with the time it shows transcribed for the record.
6:59
